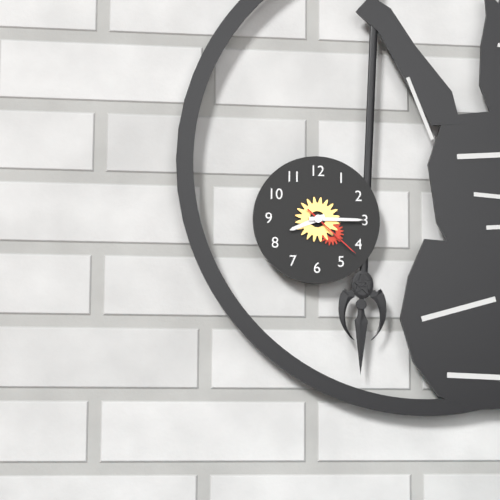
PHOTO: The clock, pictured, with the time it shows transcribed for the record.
8:15:22
